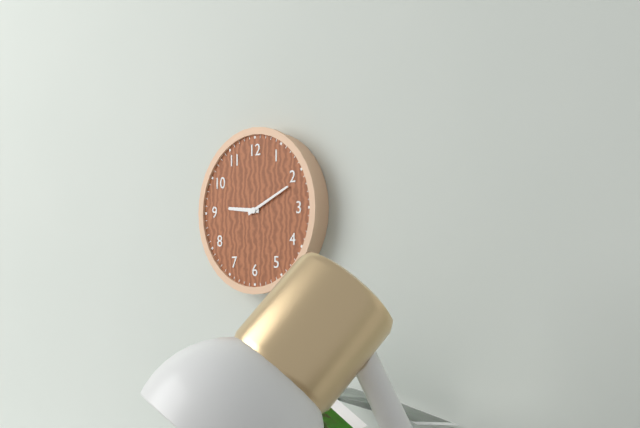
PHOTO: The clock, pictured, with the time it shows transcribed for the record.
9:11
